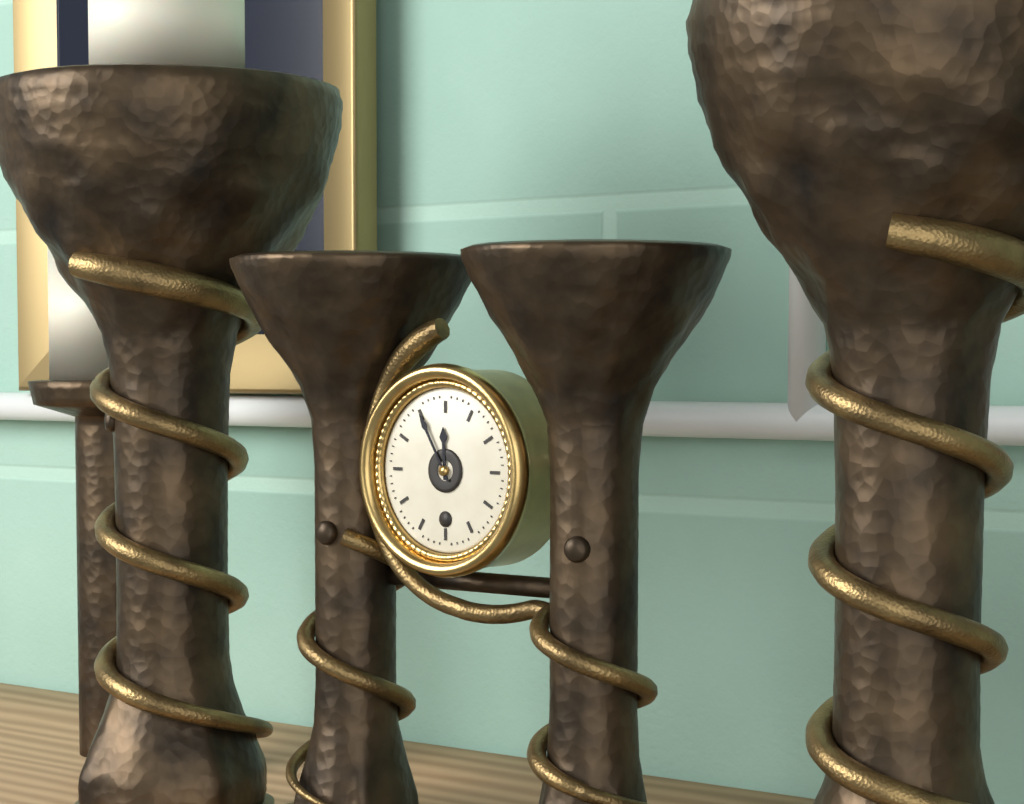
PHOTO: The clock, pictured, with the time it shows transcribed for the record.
11:55
